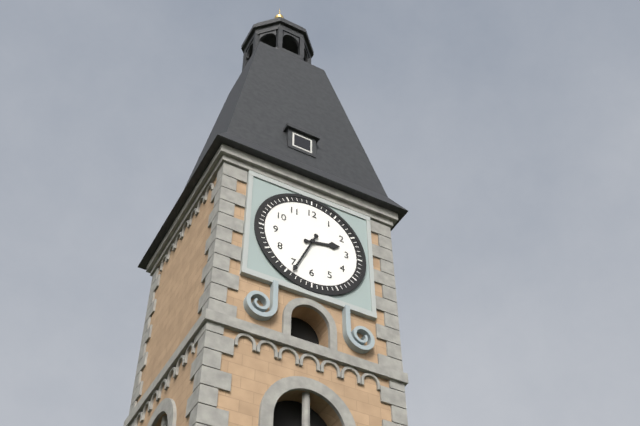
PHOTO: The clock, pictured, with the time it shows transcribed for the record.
2:34
